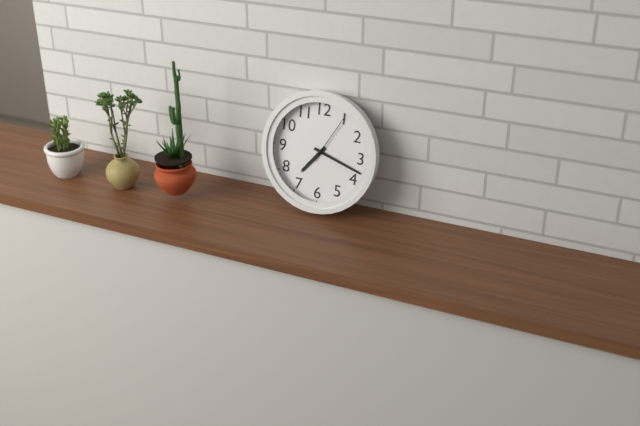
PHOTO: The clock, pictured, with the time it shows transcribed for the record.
7:18:05
